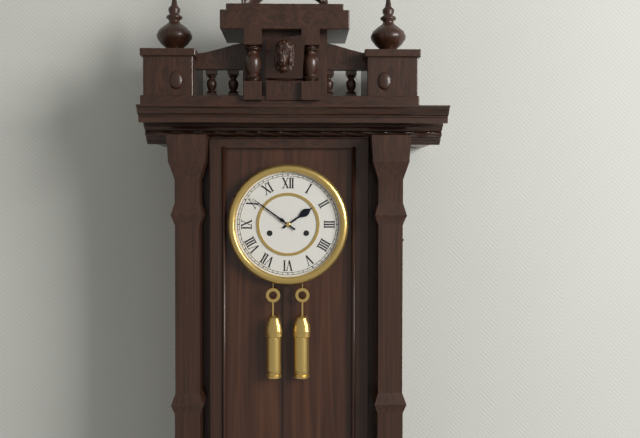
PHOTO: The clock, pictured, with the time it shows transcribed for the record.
1:51
